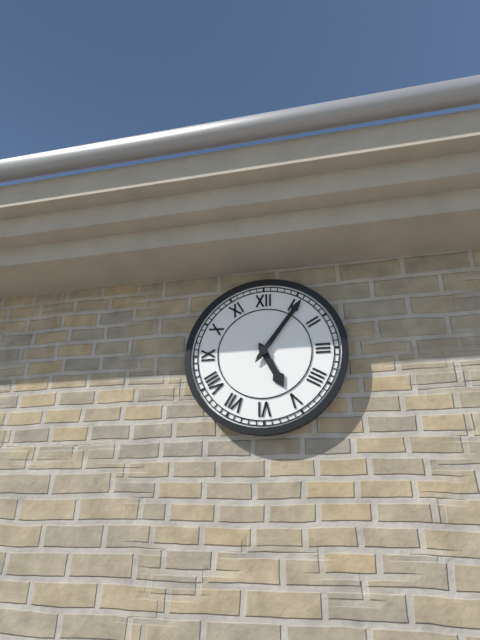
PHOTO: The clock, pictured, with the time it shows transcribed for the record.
5:06
